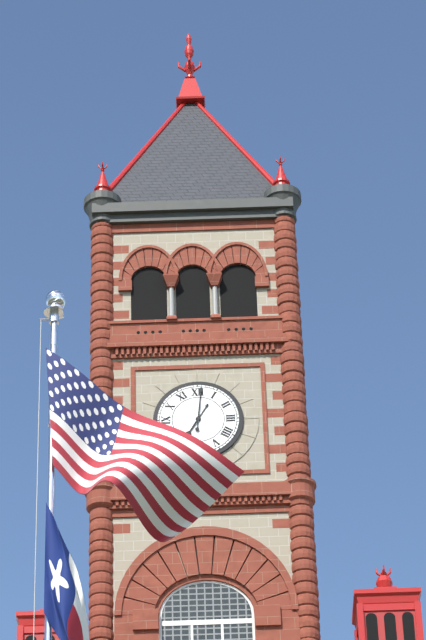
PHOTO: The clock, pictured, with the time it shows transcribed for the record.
7:01
